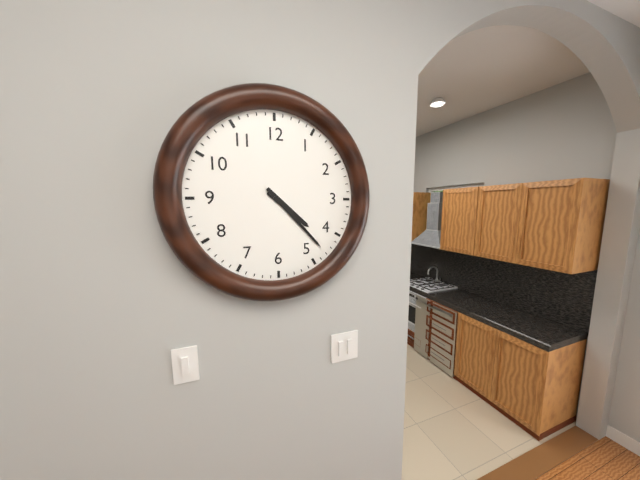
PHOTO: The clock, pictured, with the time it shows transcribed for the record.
4:23
